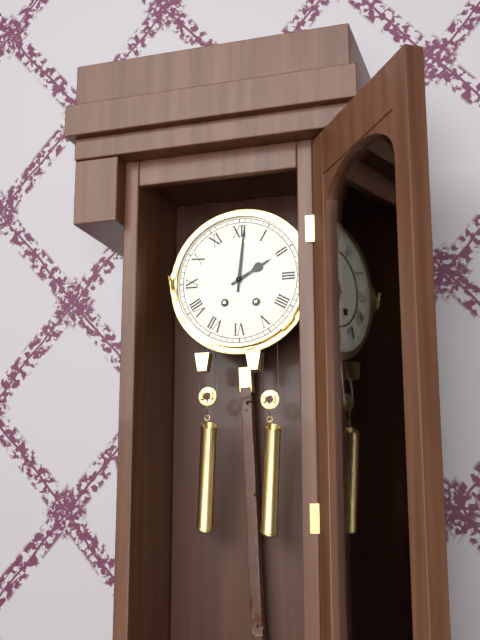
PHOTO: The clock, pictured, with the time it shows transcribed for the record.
2:01
